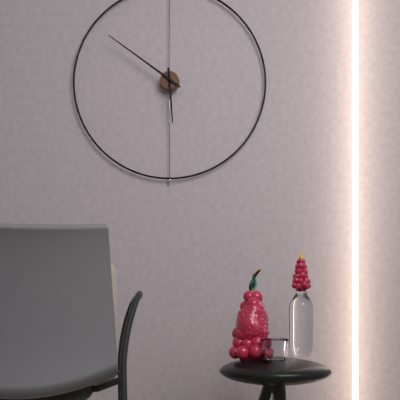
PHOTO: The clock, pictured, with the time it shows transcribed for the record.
5:51
